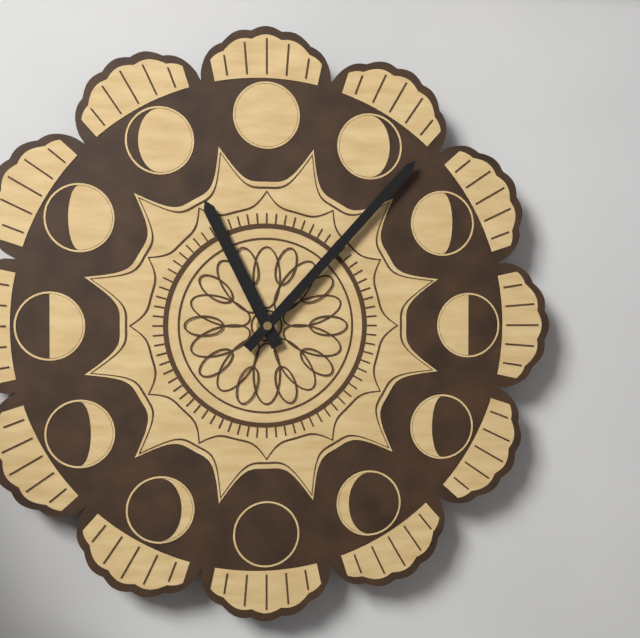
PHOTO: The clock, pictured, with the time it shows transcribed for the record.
11:07
